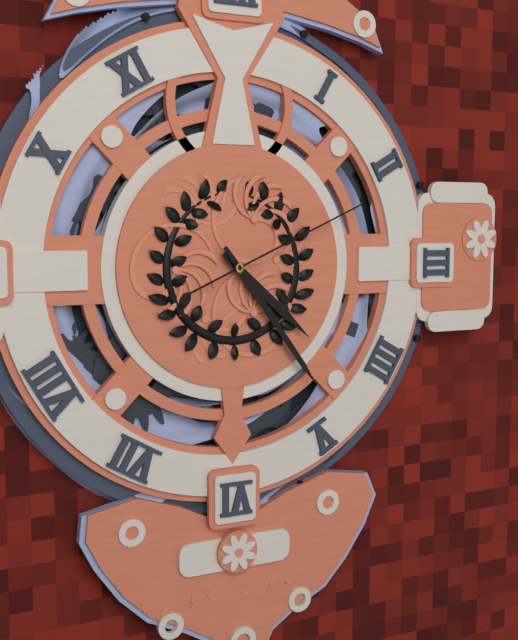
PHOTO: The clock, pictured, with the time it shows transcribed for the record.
4:24:11
